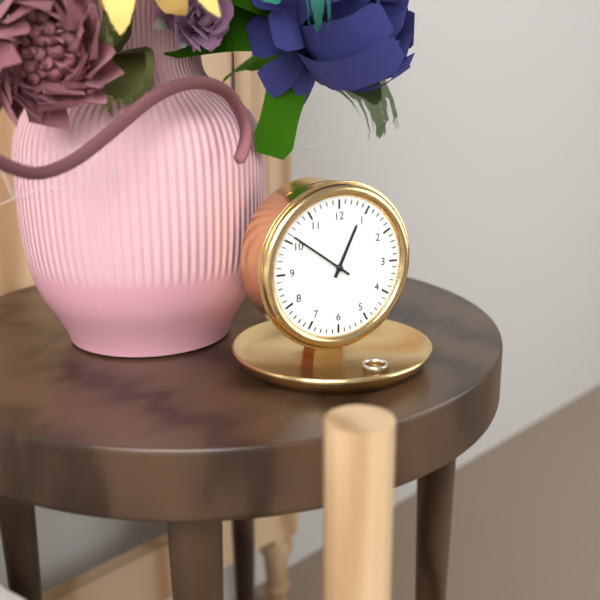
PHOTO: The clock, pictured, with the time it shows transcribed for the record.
12:51
